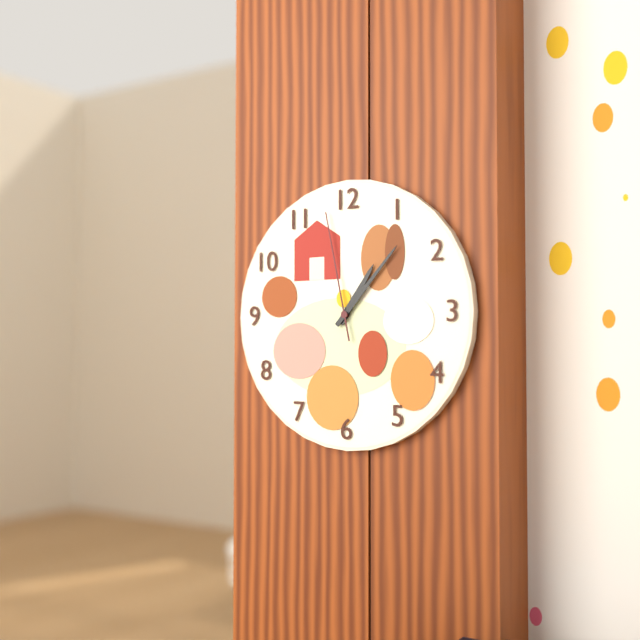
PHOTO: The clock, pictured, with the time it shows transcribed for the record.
1:07:58
